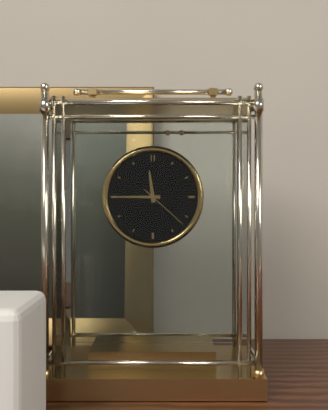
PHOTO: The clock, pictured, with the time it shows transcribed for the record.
11:45:22
